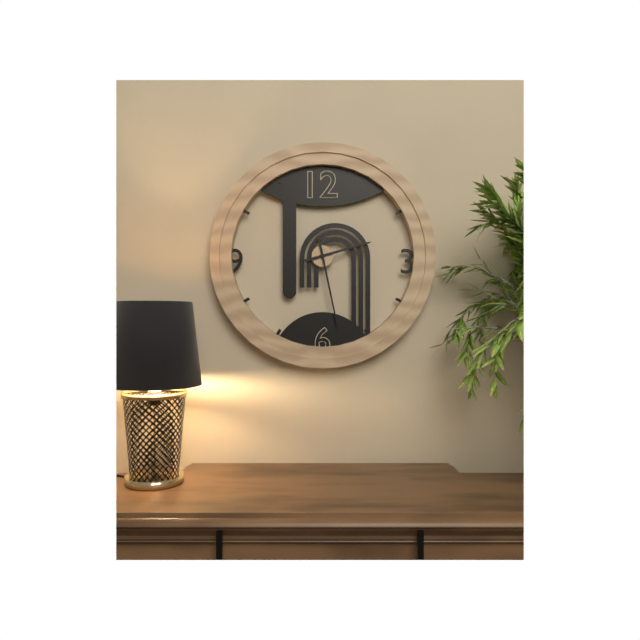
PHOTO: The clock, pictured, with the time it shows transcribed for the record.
2:28
